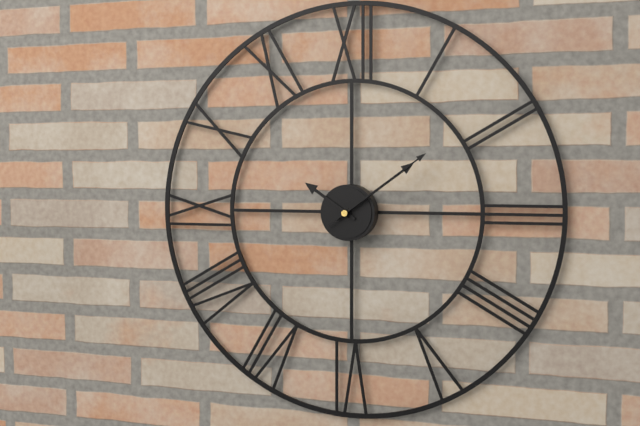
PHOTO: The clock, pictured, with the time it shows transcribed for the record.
10:09:09
